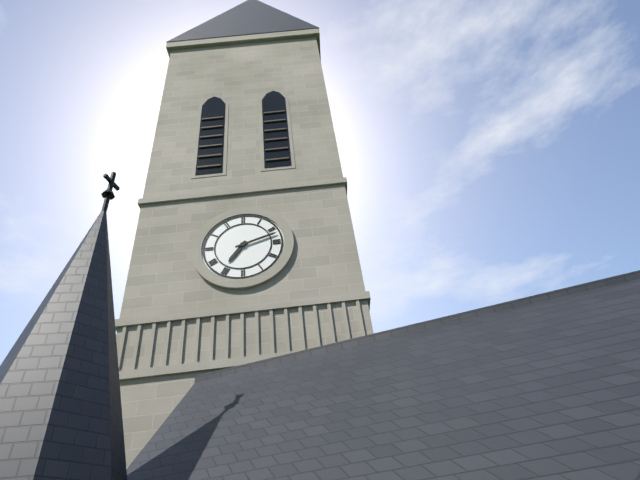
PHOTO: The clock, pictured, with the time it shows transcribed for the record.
7:12
